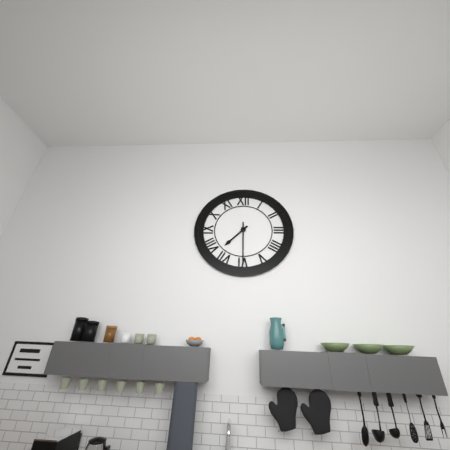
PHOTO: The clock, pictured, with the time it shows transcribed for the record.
7:30
